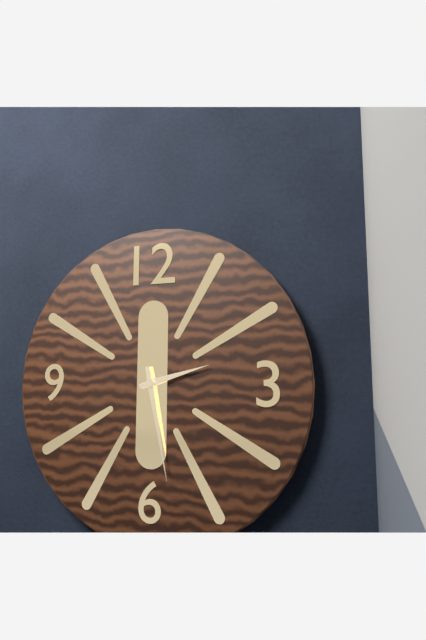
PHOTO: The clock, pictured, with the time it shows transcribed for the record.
2:28
